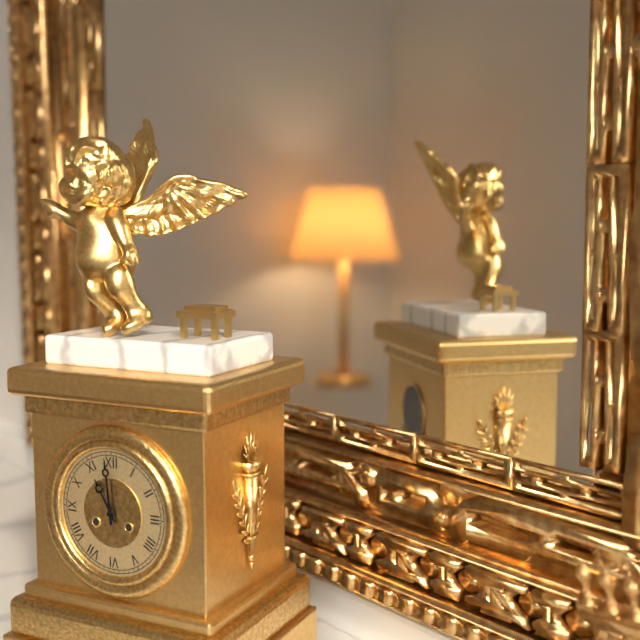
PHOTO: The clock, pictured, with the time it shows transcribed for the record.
10:59
